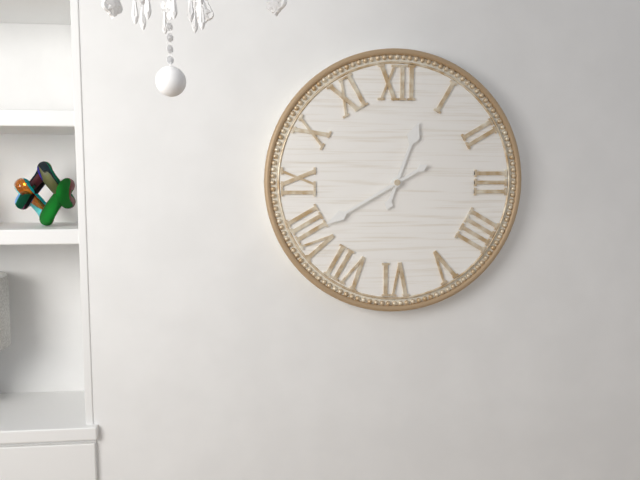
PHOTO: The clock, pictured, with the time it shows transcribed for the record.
12:40
